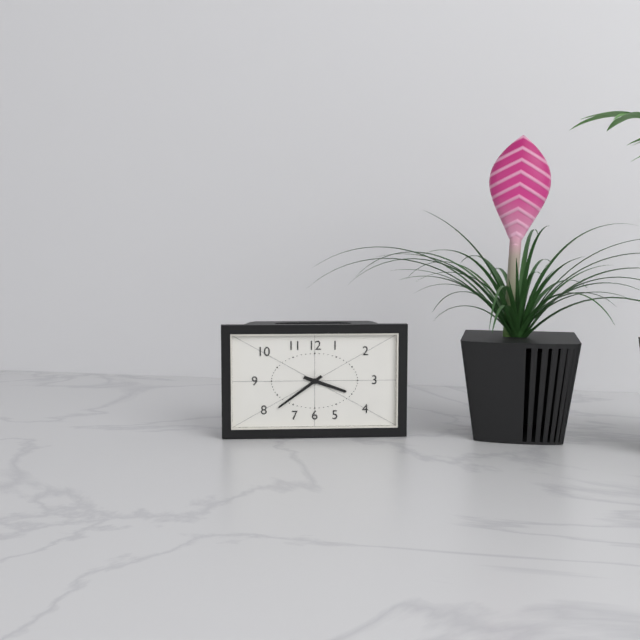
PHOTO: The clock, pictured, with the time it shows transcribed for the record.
3:39
